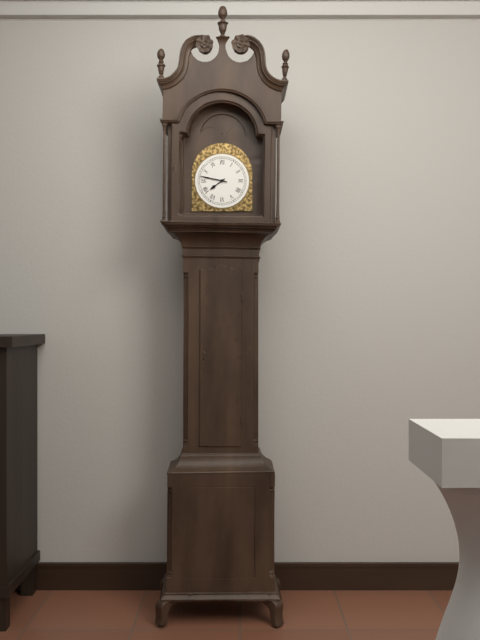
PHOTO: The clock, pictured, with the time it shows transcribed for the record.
7:47
